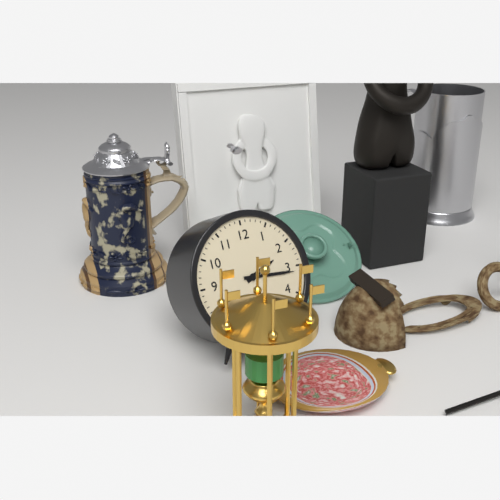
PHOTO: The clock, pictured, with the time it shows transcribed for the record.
2:16
